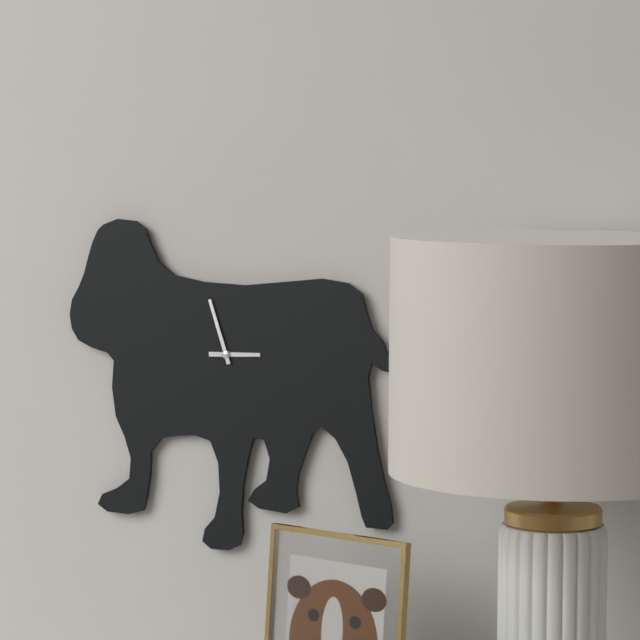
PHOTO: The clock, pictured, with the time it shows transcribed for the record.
2:57
